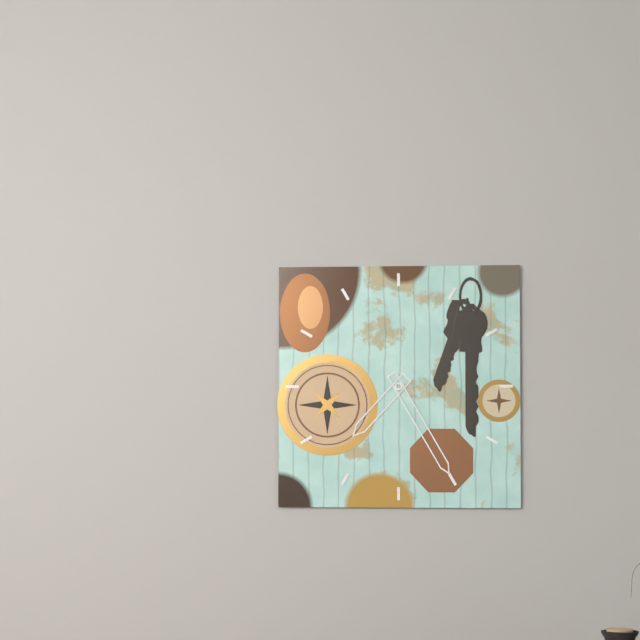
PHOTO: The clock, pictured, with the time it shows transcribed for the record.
7:25
